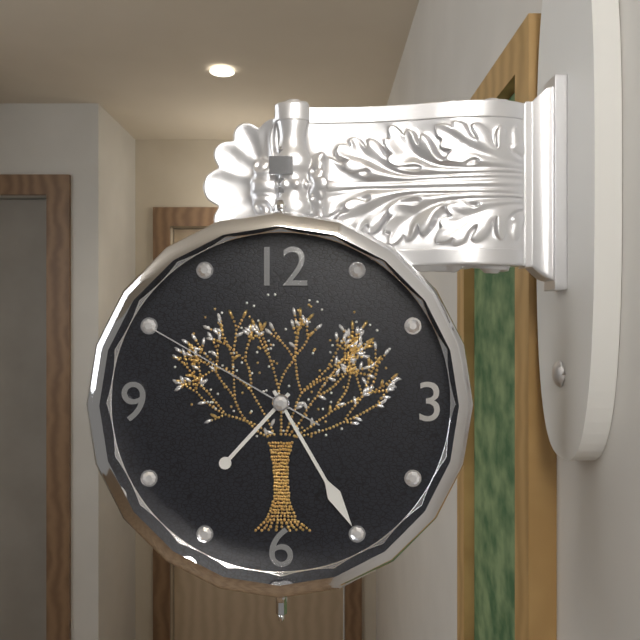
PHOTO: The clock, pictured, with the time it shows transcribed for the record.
7:25:50
